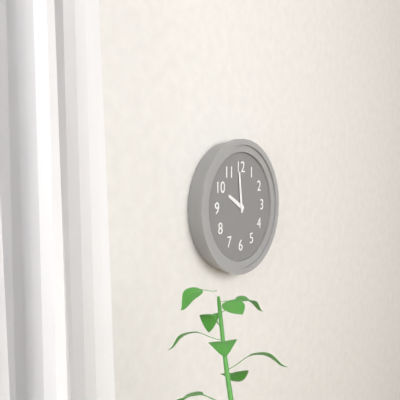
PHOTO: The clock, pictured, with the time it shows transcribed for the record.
9:59
